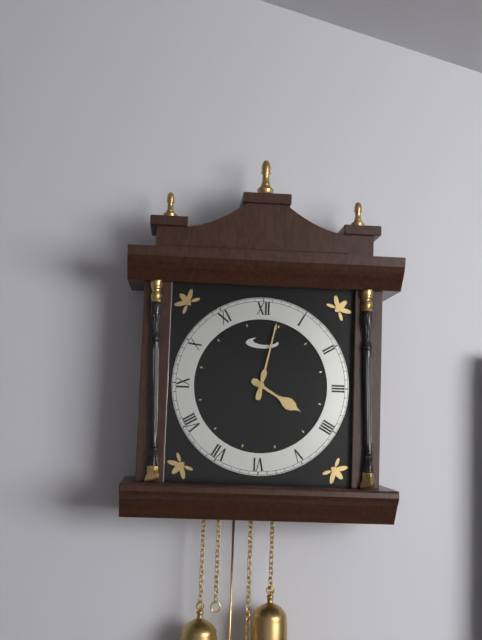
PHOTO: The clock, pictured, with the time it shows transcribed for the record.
4:02
